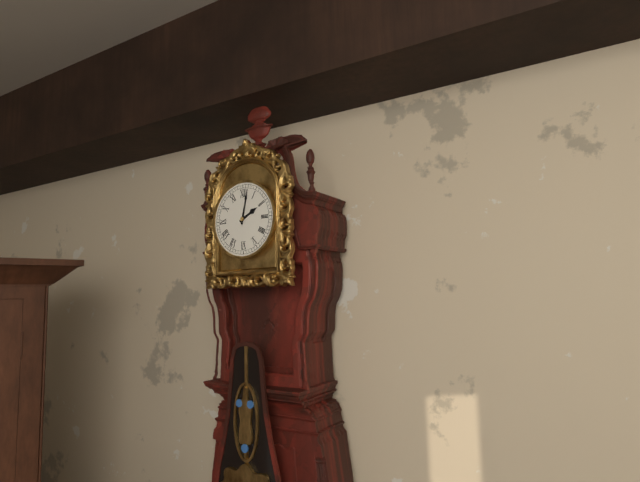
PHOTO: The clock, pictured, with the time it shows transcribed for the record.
2:02
